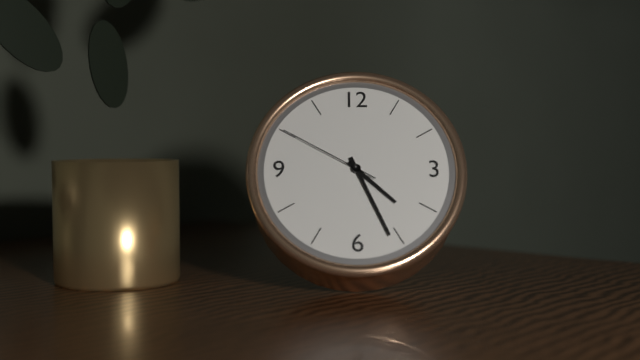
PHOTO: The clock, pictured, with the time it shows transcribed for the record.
4:26:50
